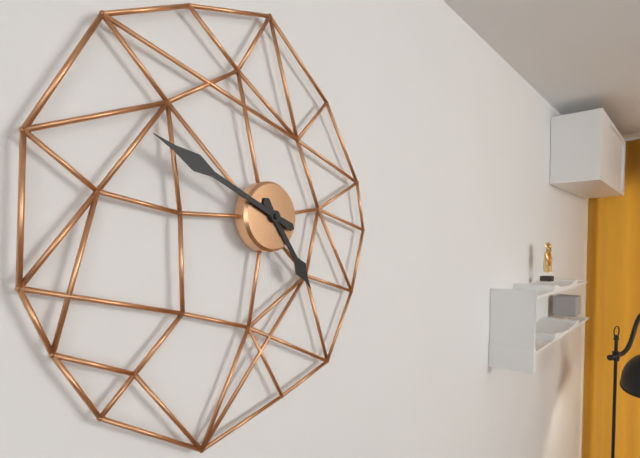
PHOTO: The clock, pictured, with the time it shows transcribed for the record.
4:49
